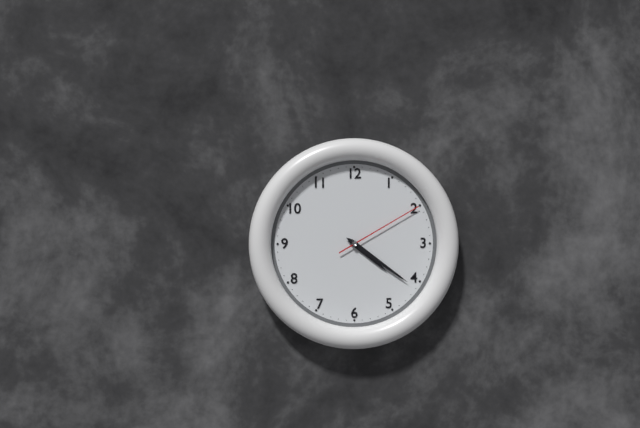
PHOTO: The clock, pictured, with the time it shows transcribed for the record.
4:21:10
